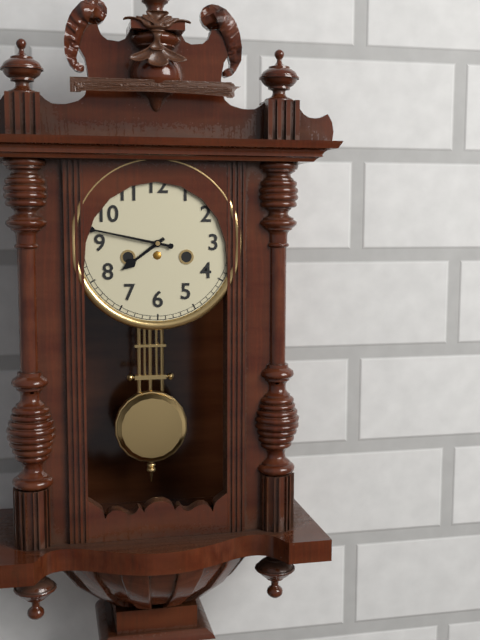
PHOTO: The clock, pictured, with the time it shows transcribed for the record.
7:47
